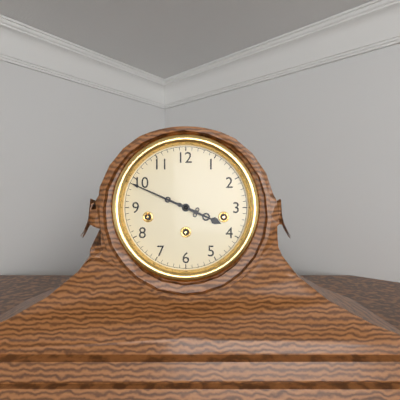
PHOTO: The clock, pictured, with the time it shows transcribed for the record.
3:49
